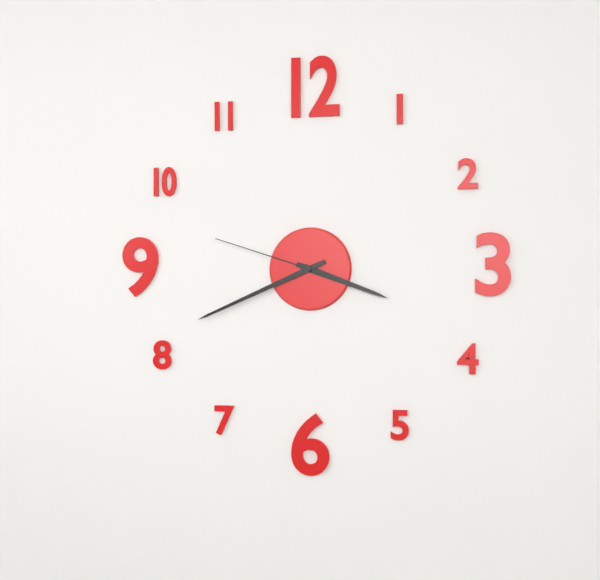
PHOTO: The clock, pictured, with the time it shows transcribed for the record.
3:41:48
